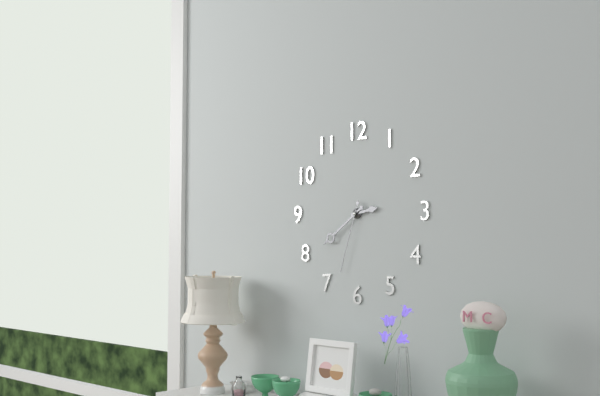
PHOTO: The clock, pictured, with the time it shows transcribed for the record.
2:39:33
